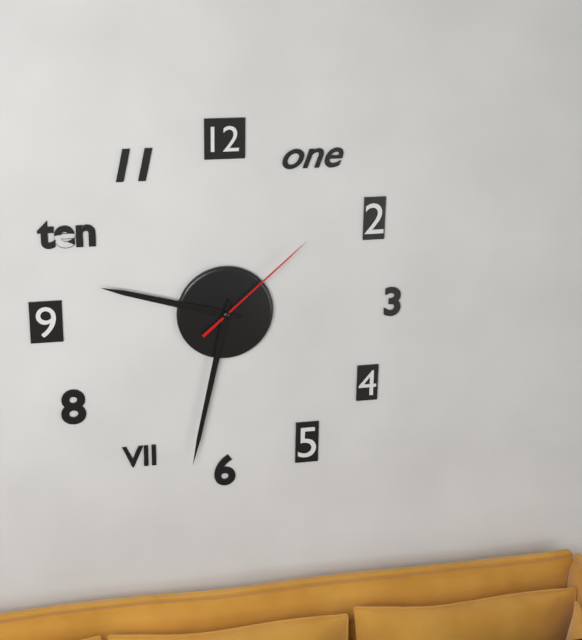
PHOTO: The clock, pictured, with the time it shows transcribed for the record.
9:32:08
